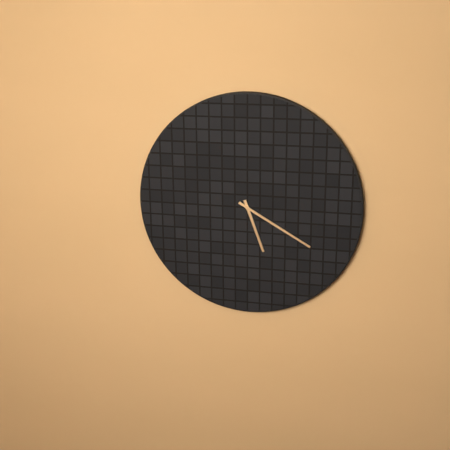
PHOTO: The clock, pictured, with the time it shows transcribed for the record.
5:20
